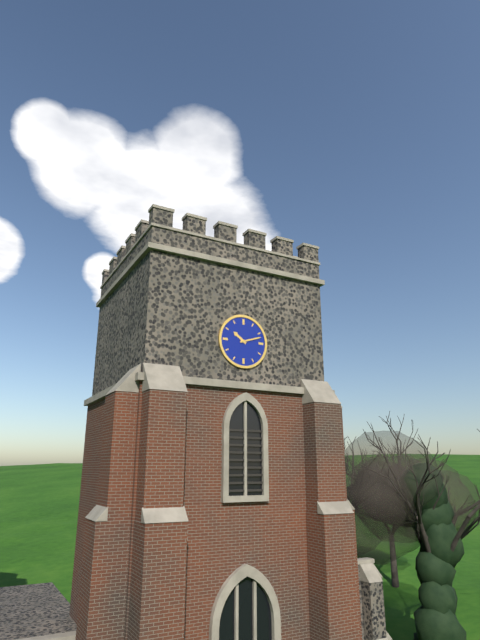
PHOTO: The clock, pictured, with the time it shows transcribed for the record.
10:12
